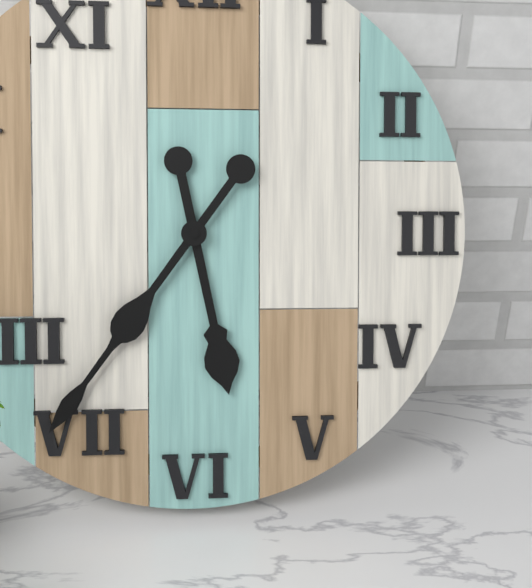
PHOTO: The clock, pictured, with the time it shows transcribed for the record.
5:36
